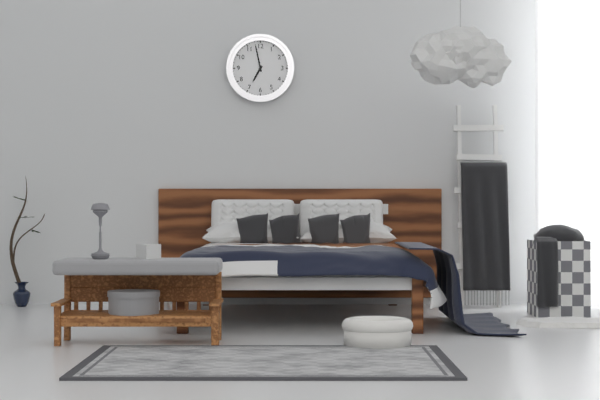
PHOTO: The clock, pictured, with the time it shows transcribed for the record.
6:58
